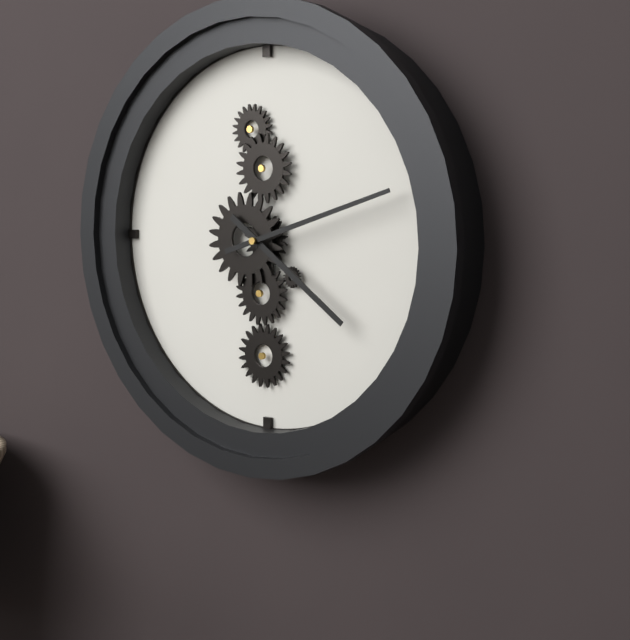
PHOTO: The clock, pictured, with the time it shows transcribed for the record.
4:12
